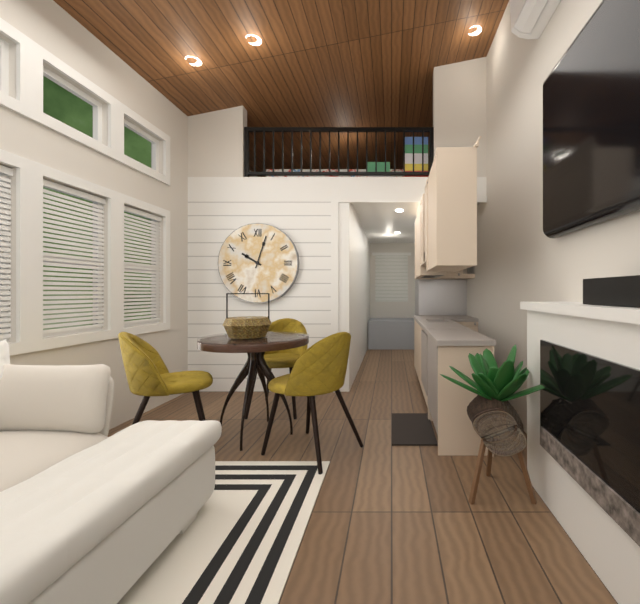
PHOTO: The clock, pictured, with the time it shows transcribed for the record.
10:03
